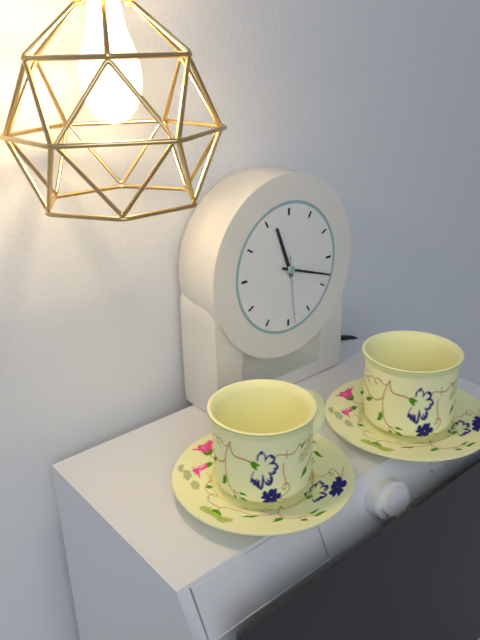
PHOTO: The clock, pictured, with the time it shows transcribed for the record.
11:18:29
